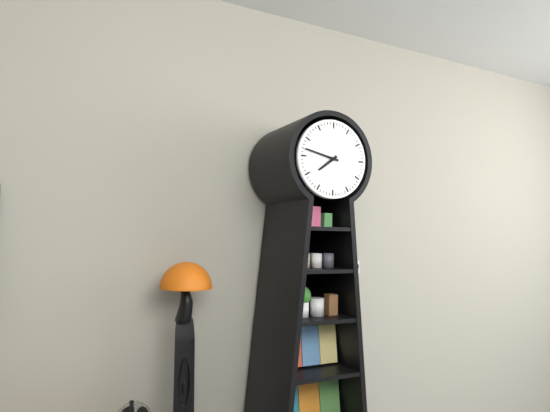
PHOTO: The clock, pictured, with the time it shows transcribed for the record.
7:47
